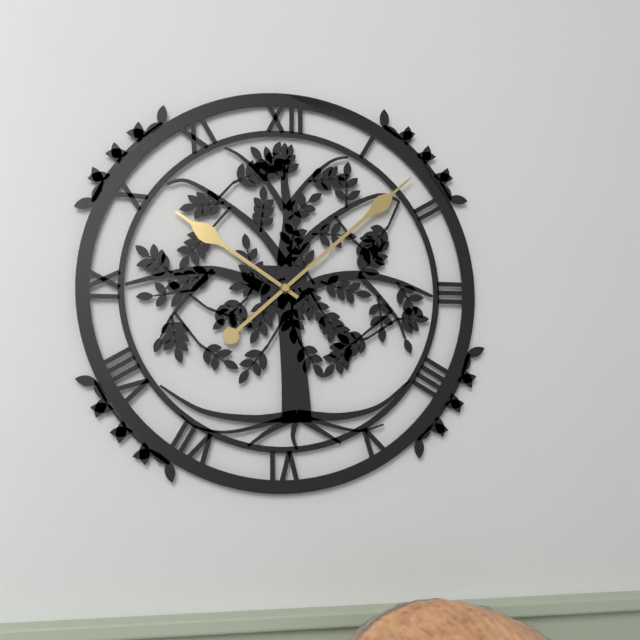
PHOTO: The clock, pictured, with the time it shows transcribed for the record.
10:08
